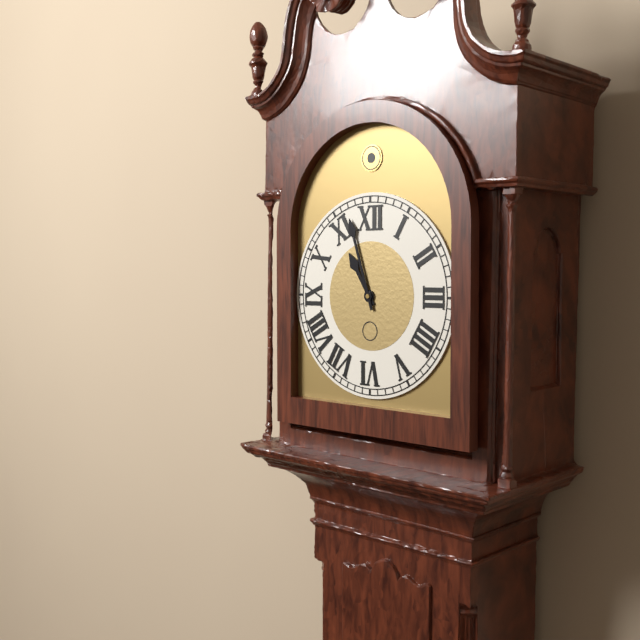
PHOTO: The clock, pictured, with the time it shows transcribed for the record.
10:57
